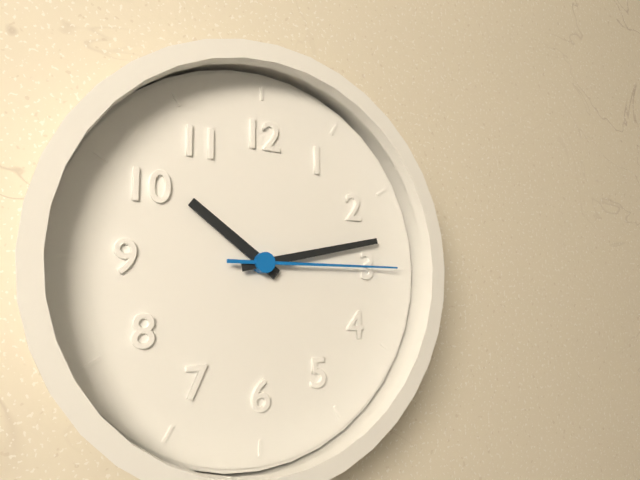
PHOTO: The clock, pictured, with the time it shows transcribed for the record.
10:13:15
